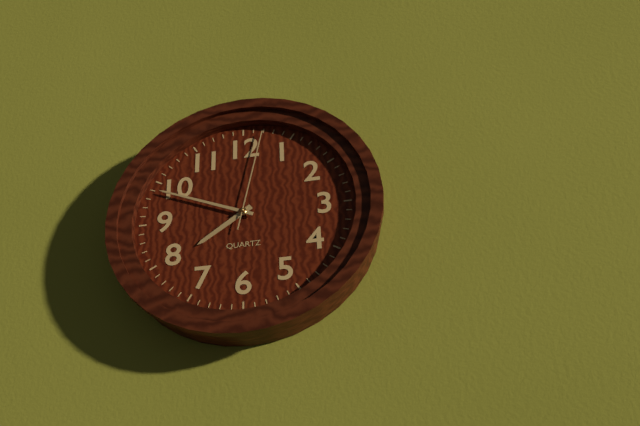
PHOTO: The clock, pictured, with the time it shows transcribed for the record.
7:49:02
